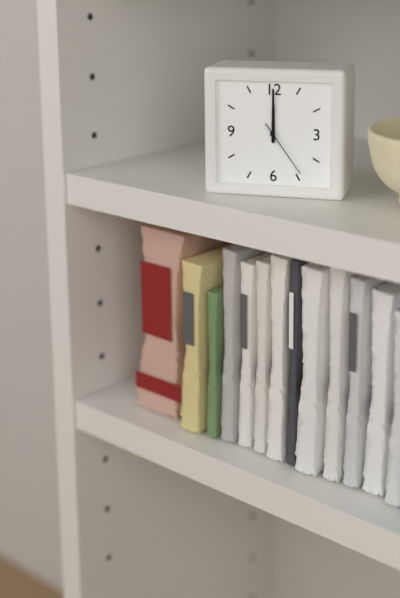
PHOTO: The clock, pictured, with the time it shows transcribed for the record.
12:00:24
